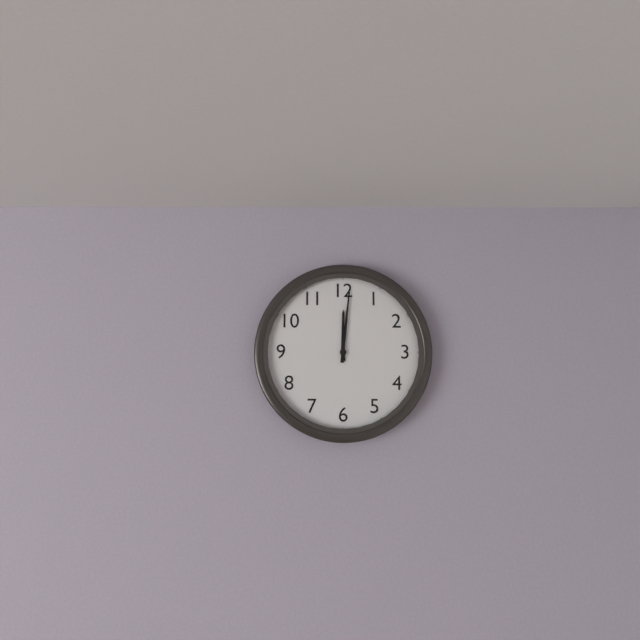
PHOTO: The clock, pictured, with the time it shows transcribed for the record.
12:01
